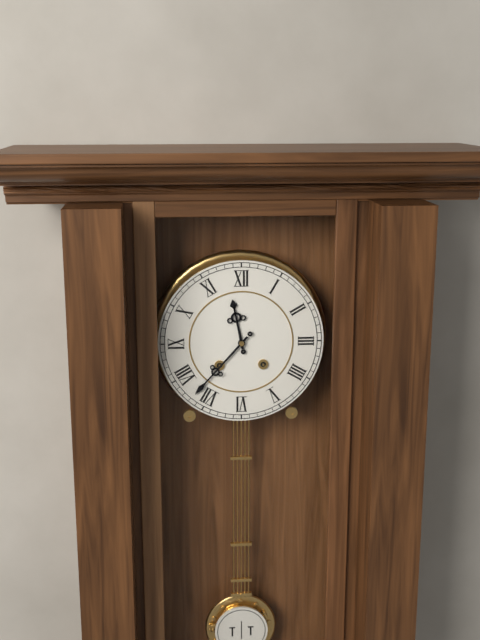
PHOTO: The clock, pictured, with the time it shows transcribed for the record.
11:37
